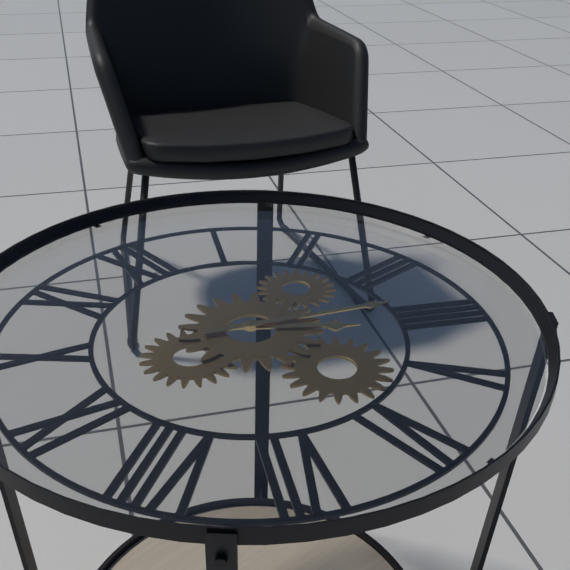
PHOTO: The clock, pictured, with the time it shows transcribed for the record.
4:19
